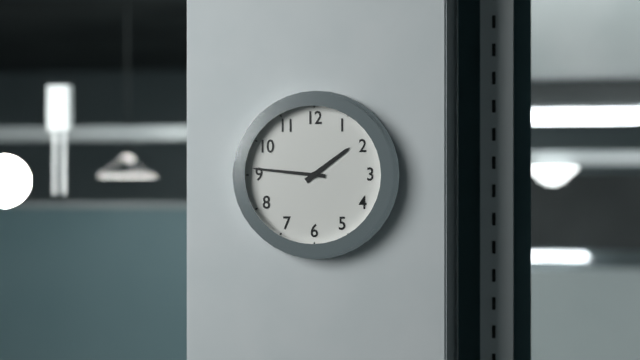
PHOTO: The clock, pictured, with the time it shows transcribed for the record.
1:46
